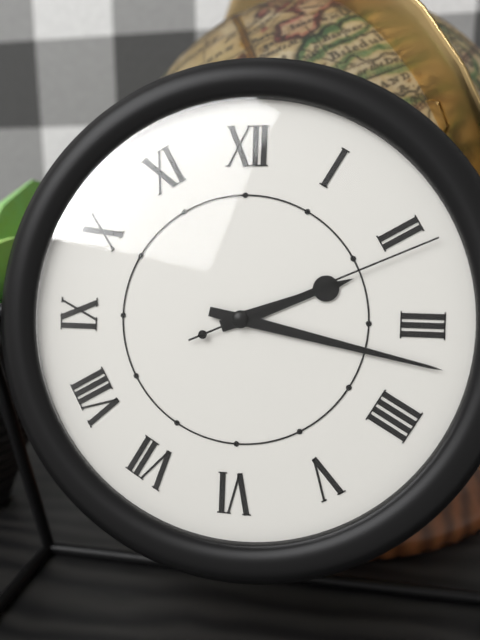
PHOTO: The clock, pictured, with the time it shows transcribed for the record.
2:17:11
